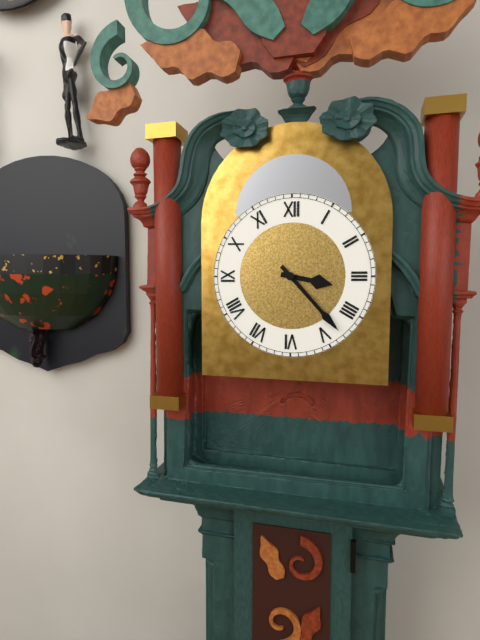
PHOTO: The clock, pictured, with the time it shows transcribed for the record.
3:23
